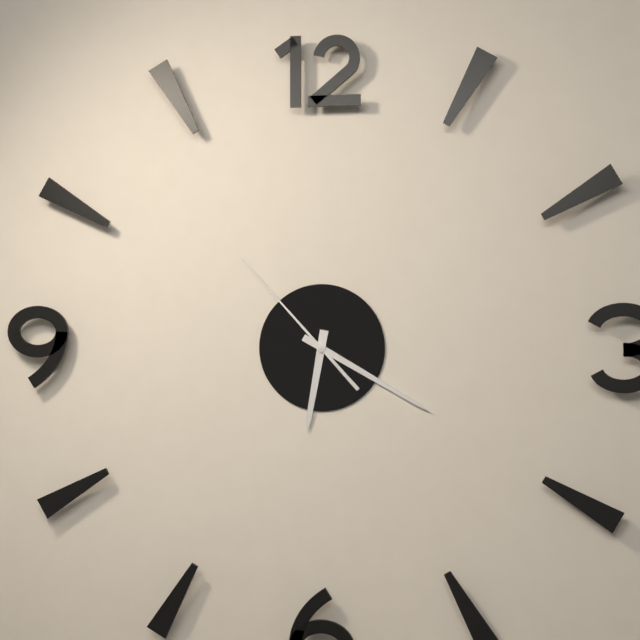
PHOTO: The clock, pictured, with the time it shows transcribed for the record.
6:20:53
